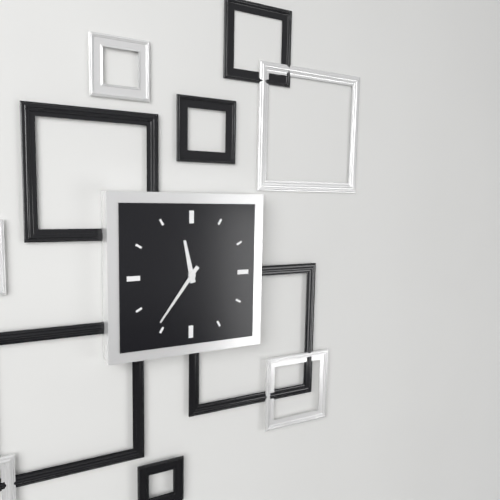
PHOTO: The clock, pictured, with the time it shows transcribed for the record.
11:36
